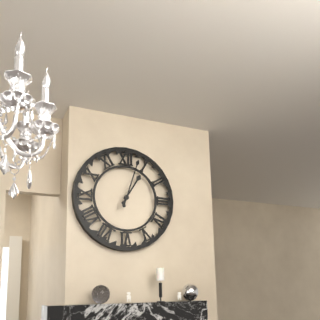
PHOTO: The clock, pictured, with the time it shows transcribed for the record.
1:03
